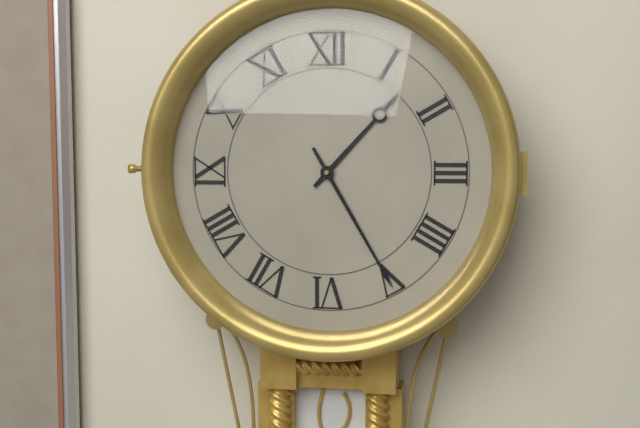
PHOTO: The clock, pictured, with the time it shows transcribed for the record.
1:25
